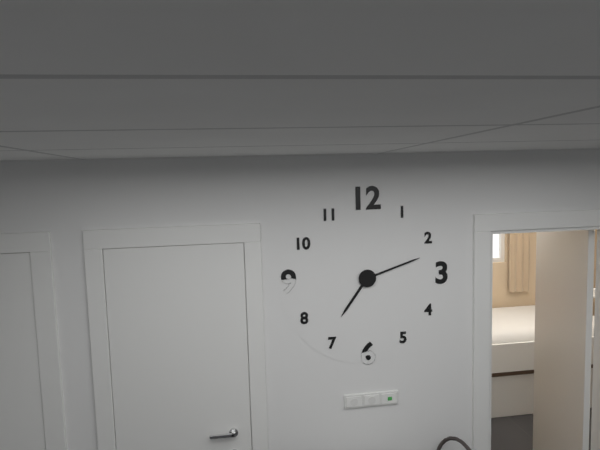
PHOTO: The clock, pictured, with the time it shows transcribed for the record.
7:12
